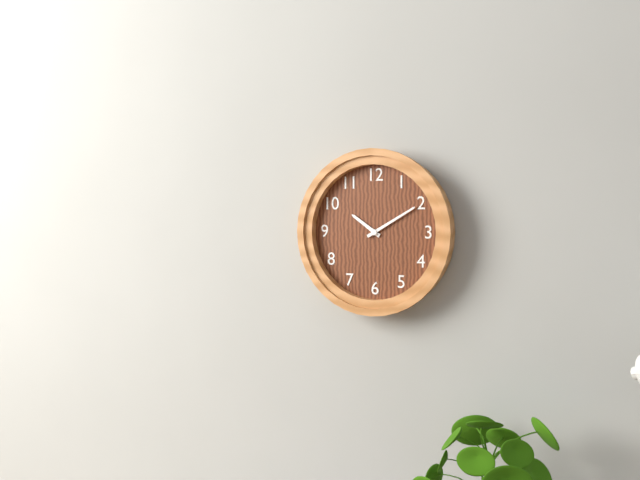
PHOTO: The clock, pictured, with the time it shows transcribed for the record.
10:10
